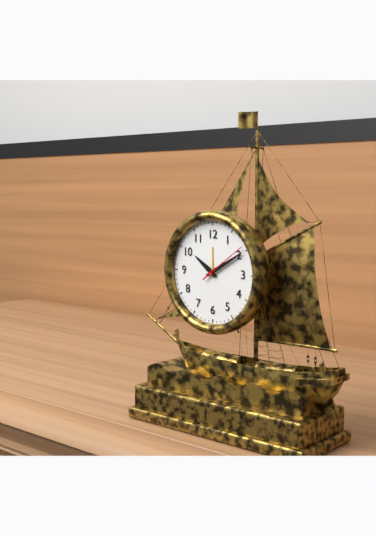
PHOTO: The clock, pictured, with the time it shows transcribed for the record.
10:10:09
